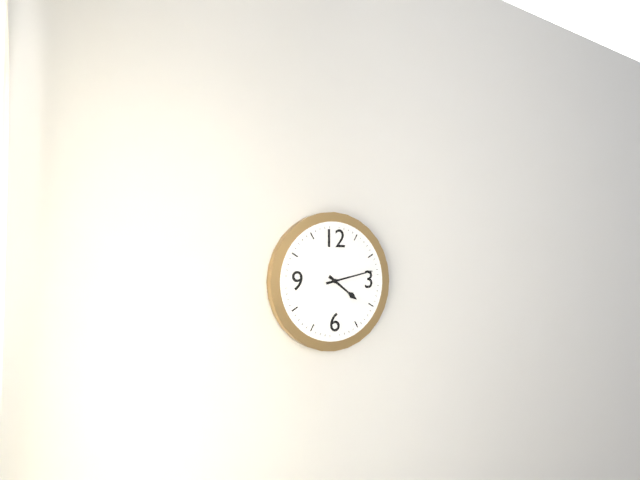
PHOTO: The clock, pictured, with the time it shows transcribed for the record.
4:13
